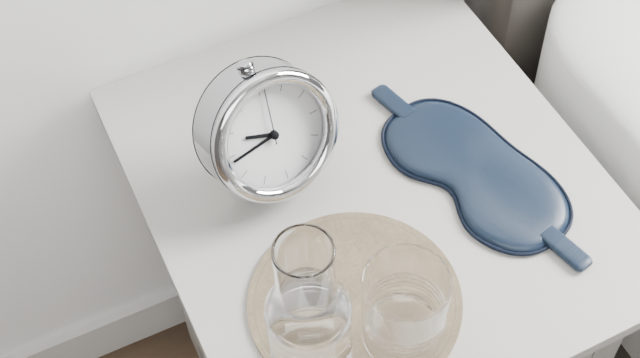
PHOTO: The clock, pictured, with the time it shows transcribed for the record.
9:44:01
